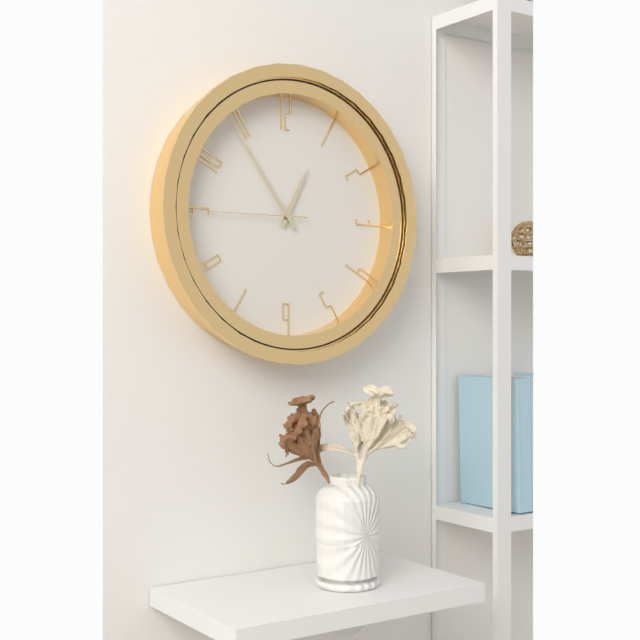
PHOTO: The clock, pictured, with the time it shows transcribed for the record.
12:54:45
